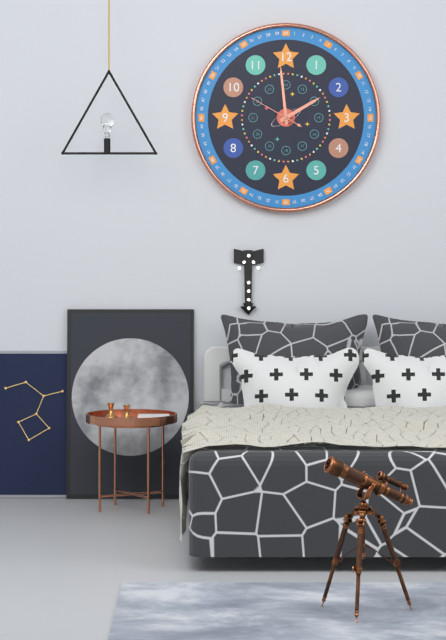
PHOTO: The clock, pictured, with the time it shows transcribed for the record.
1:59
